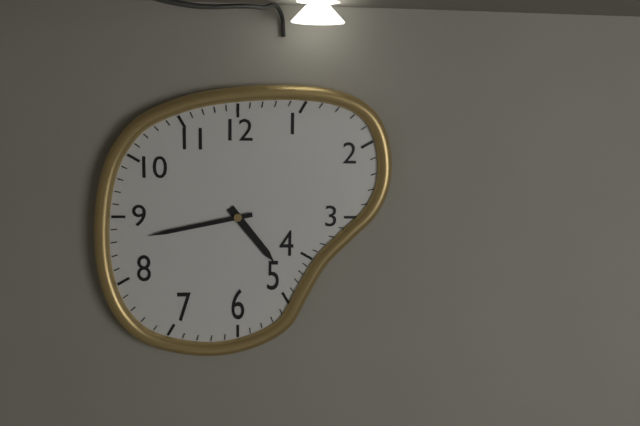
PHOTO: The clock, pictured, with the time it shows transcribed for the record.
4:43
